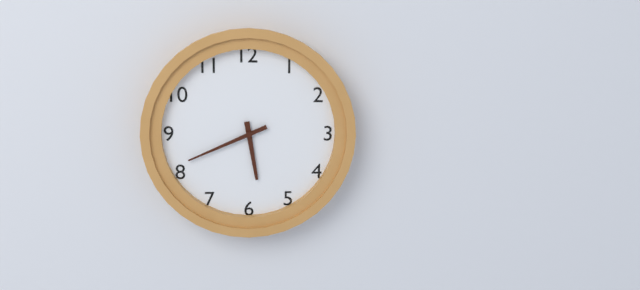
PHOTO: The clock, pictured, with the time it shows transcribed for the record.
5:41
